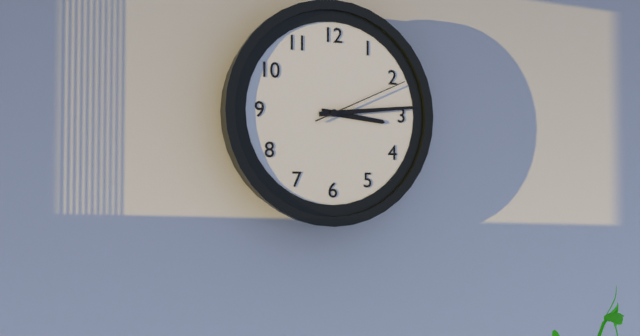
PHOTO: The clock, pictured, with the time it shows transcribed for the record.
3:14:11
